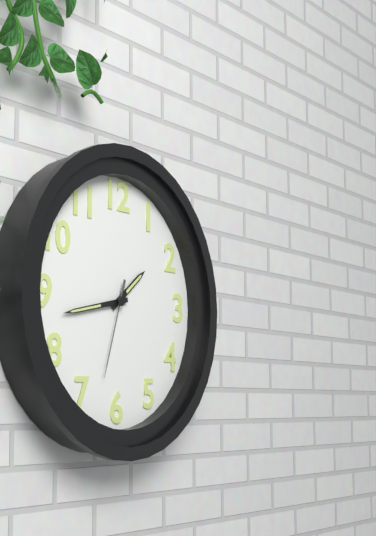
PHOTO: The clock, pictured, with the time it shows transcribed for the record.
1:43:33
